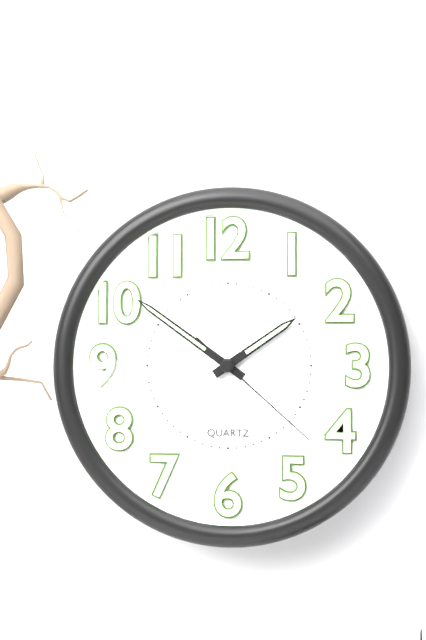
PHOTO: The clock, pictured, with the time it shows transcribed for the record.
1:51:22
